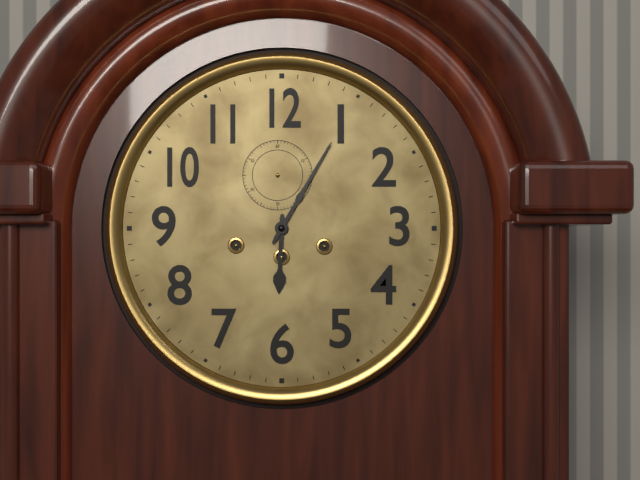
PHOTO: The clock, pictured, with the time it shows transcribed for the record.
6:05
